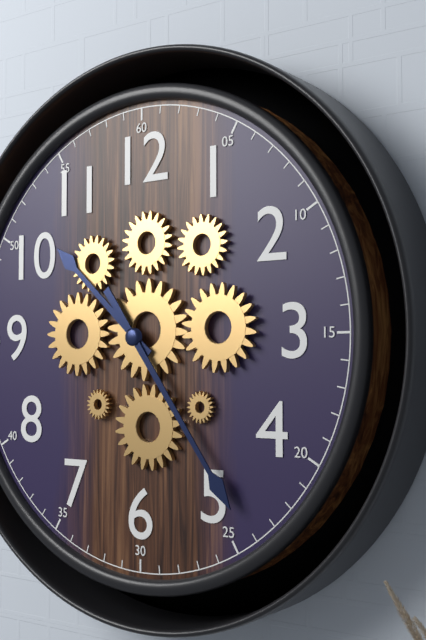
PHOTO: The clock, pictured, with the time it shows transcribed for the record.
10:24
